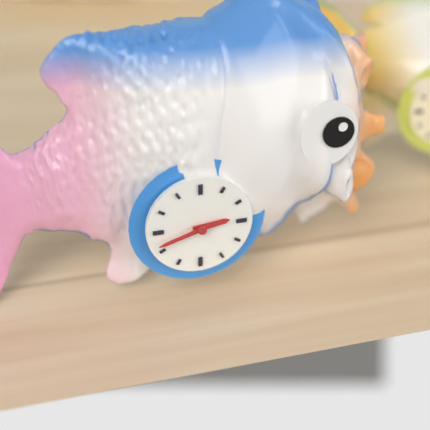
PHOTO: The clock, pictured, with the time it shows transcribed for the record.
2:42
